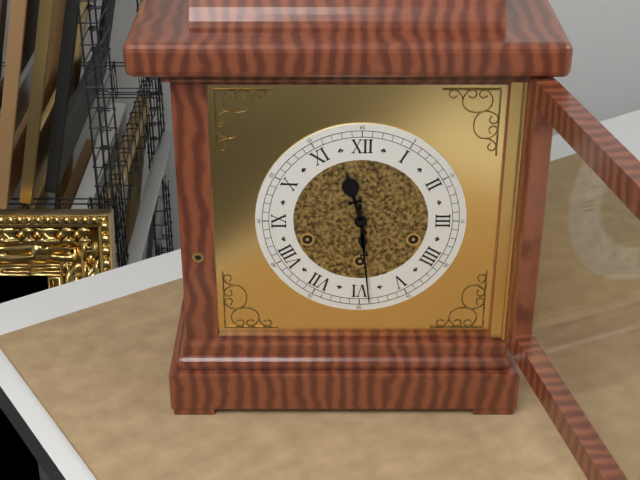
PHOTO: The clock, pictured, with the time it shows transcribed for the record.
11:29
